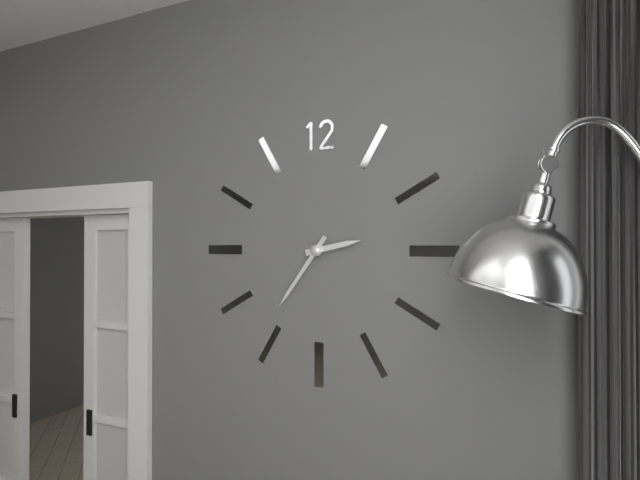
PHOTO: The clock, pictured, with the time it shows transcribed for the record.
2:36
